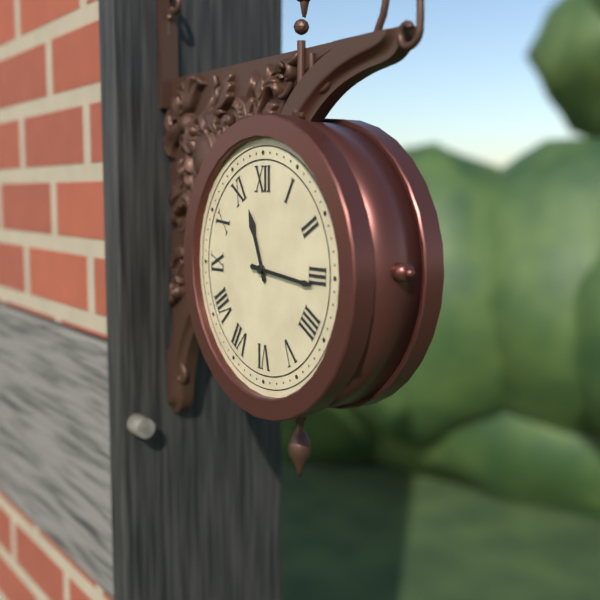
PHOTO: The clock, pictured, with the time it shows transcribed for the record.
11:16
